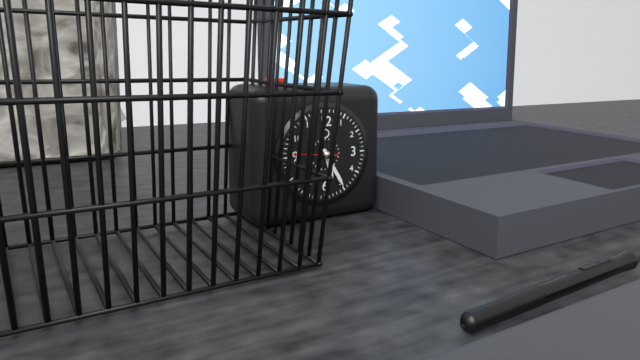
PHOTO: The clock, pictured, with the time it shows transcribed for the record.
5:25
